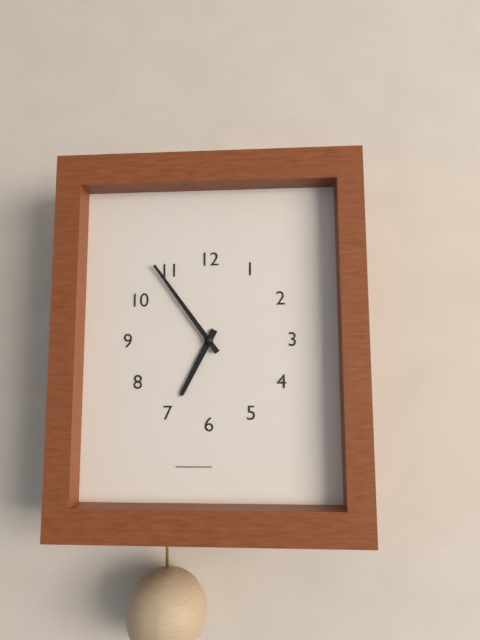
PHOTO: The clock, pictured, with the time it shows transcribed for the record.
6:54
